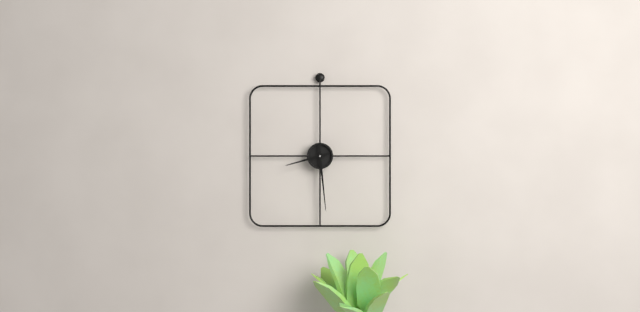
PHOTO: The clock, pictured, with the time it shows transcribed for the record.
8:29
